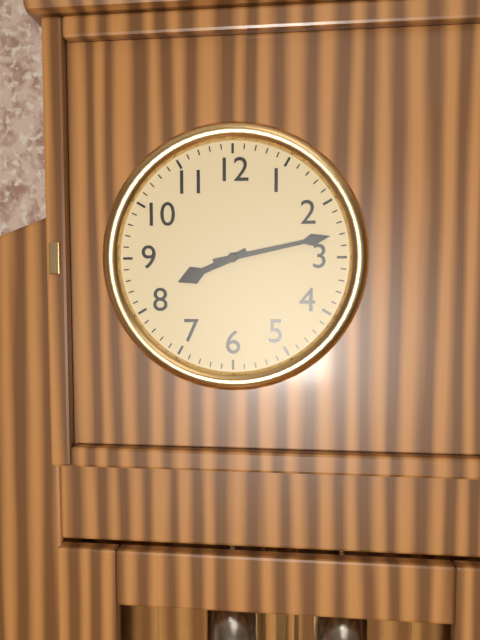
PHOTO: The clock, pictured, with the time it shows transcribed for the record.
8:13
